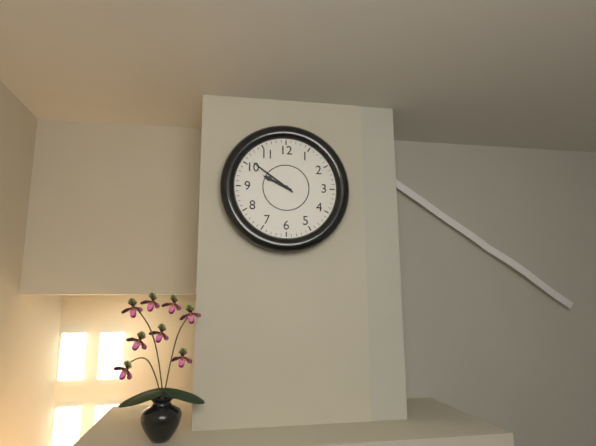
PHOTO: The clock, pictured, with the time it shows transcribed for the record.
9:51
